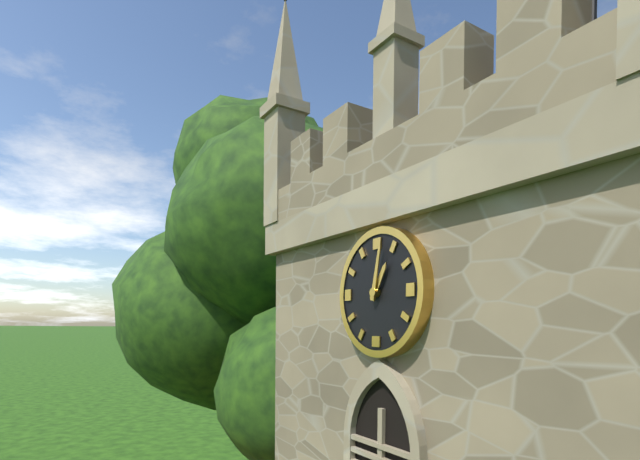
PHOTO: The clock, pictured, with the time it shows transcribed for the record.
1:02
